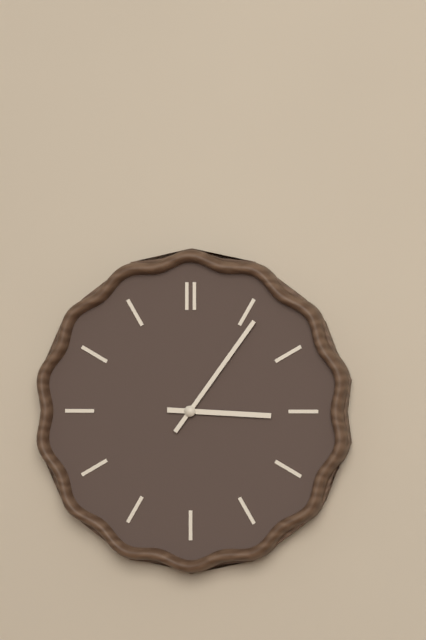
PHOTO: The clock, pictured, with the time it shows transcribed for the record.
3:06
